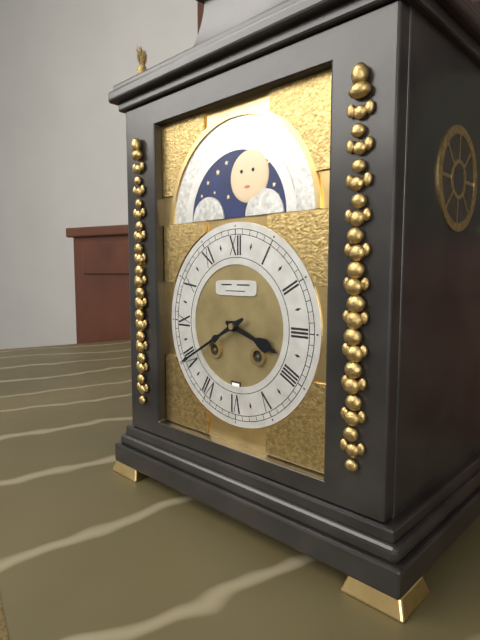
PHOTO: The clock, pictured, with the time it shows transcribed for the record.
3:40
